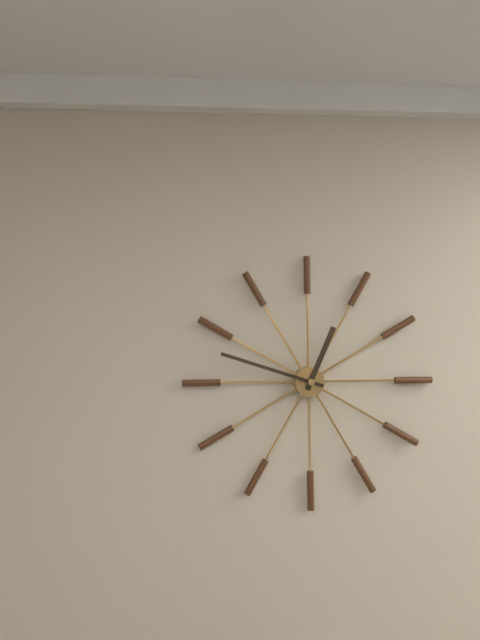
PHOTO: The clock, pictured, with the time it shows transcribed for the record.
12:48
